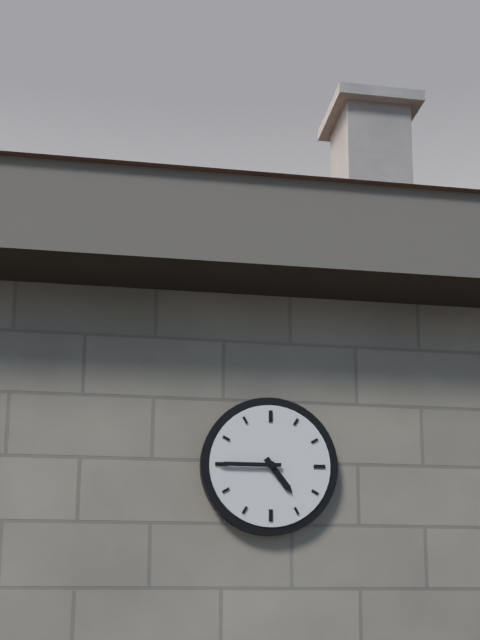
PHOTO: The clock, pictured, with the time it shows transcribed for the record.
4:45
